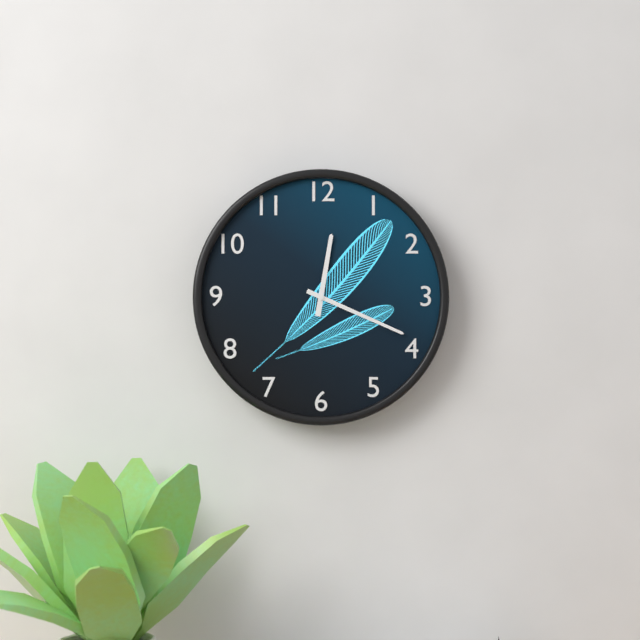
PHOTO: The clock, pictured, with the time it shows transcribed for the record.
12:19
